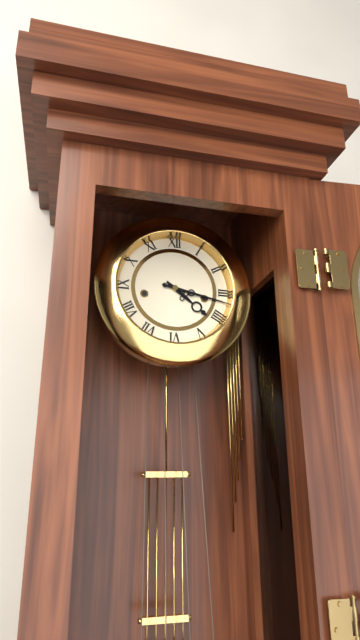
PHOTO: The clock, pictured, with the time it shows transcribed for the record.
4:17
